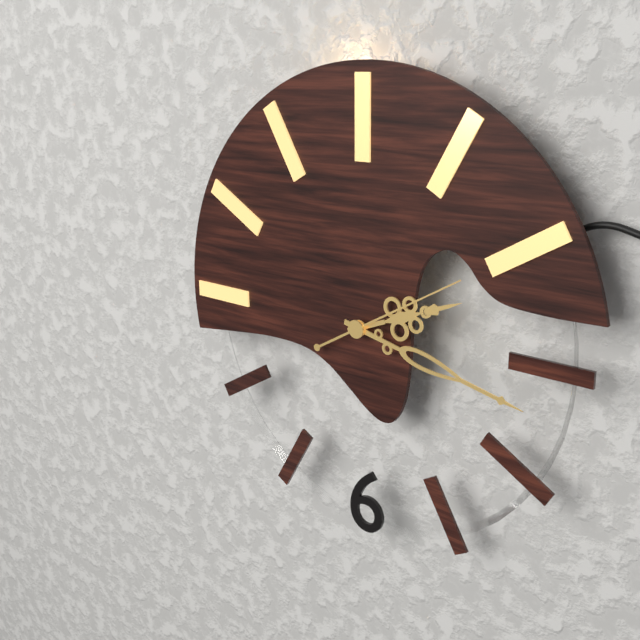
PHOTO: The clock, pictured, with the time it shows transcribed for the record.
2:17:10
